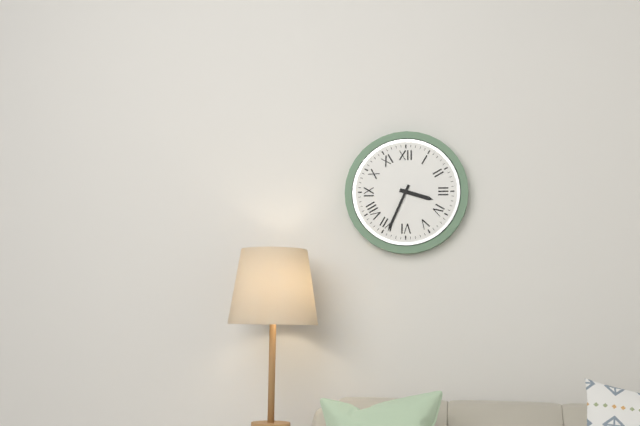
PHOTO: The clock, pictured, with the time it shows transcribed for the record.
3:34
